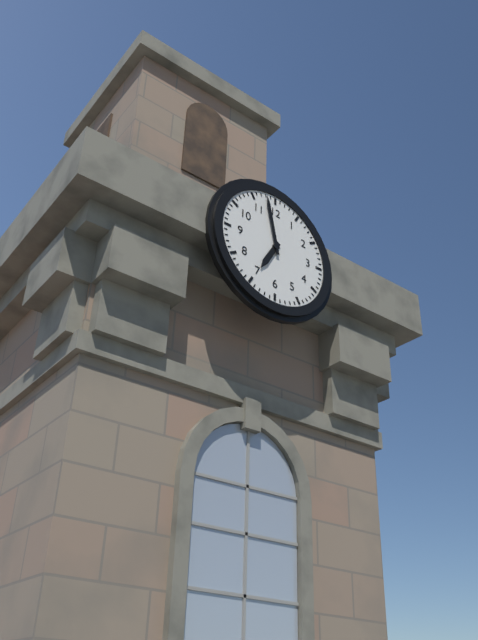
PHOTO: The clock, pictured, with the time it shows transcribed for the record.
6:58
